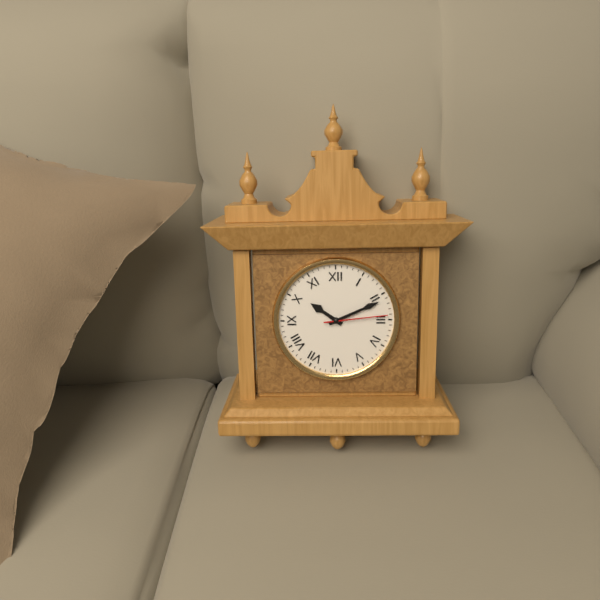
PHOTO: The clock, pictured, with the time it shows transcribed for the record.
10:11:14
